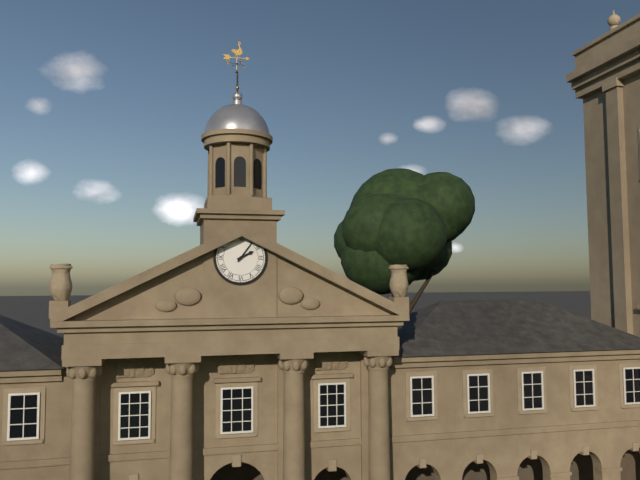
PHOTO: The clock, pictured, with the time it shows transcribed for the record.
2:06
